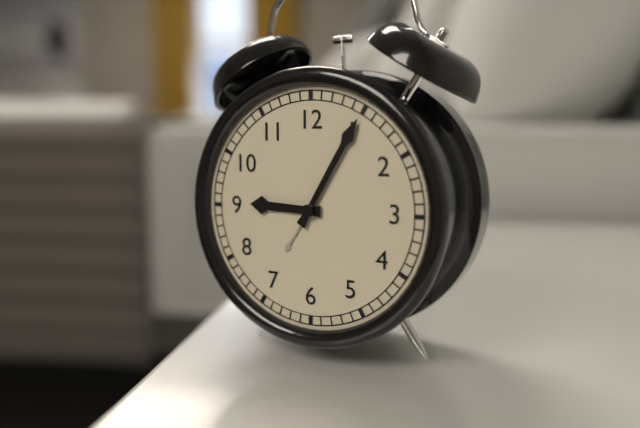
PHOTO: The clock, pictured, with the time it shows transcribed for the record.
9:05
